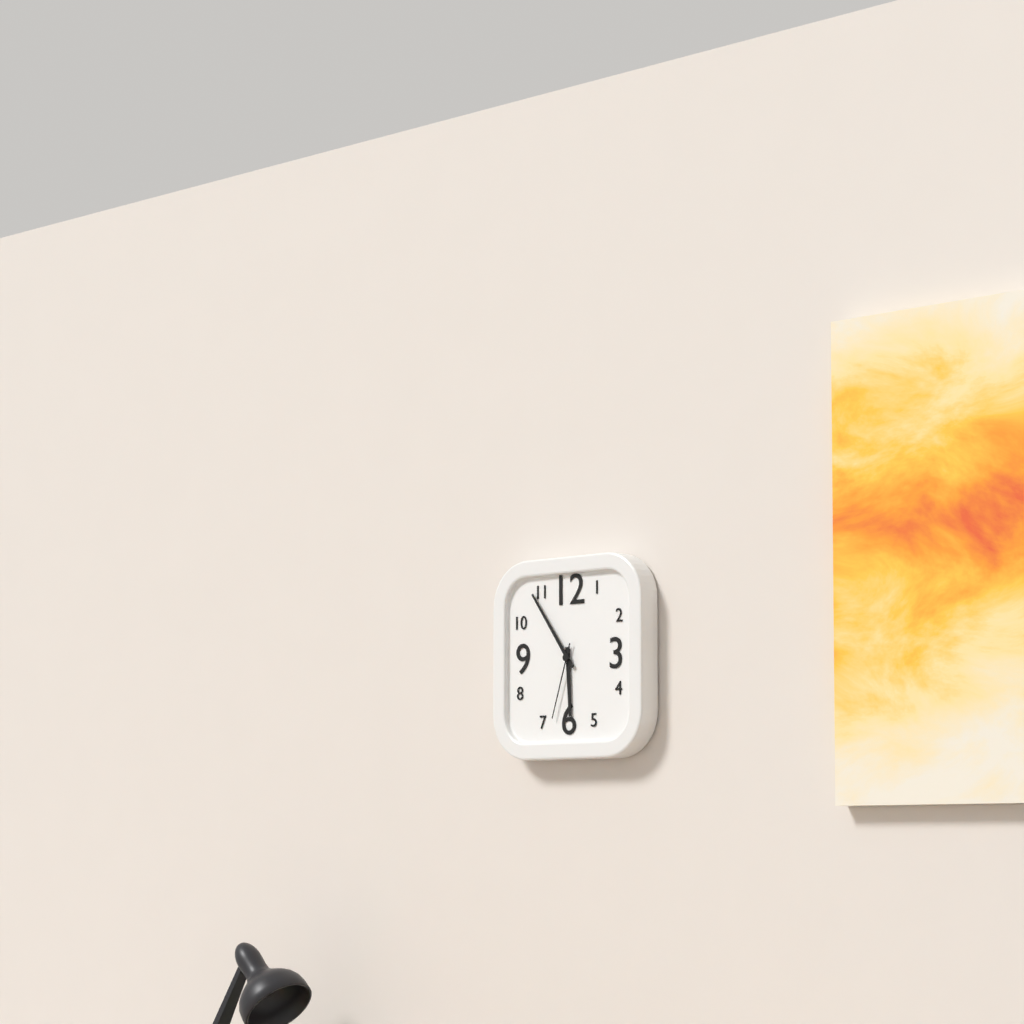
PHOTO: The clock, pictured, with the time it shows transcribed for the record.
5:54:33
